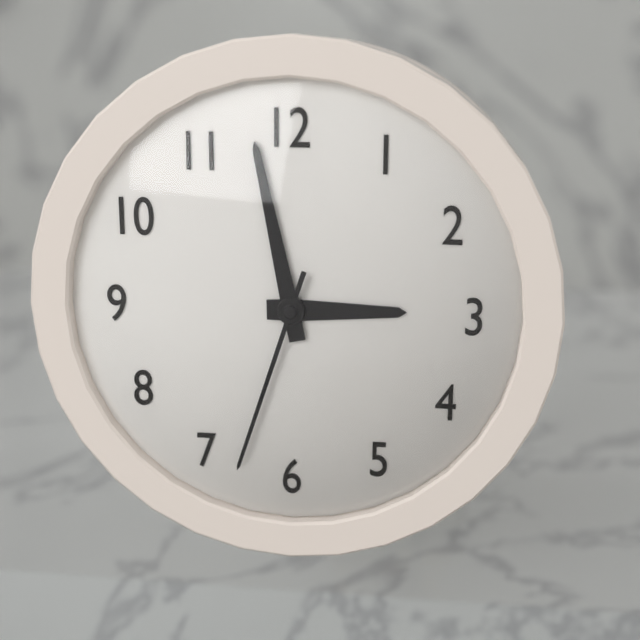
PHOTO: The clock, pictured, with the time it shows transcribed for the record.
2:58:33
